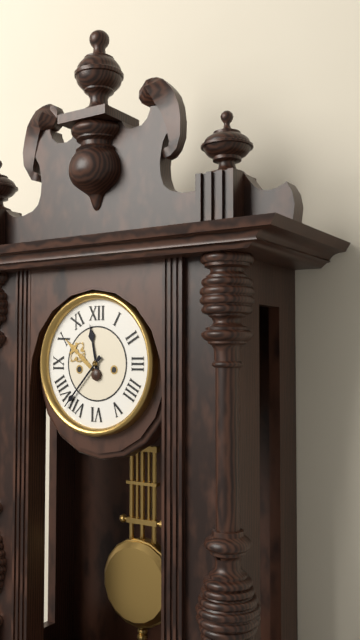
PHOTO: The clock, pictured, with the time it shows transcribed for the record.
11:37
